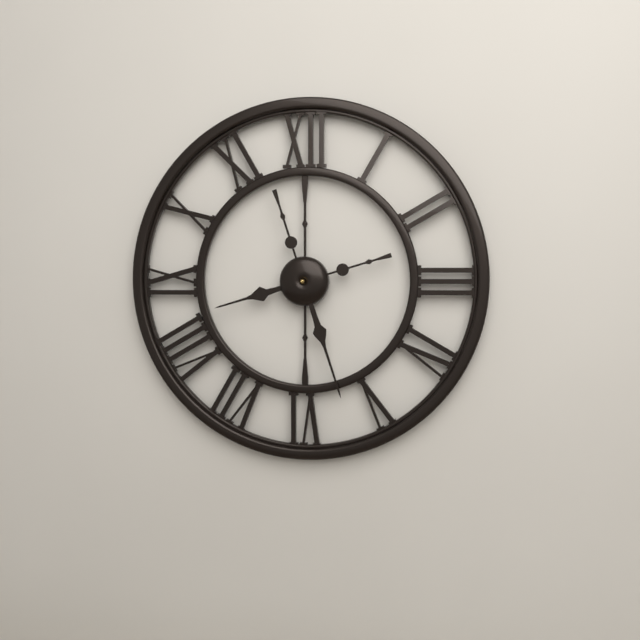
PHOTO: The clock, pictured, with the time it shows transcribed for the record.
8:27
